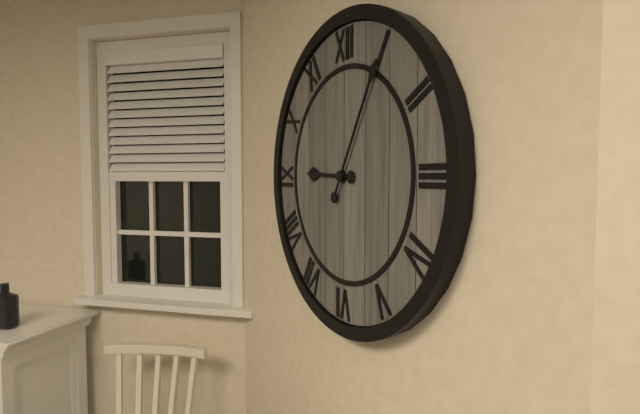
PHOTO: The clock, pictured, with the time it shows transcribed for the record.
9:05
